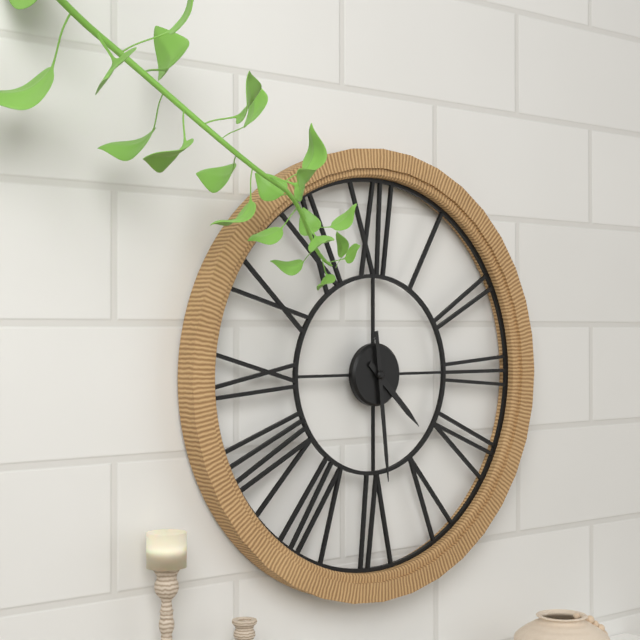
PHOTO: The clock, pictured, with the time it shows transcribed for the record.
4:29
